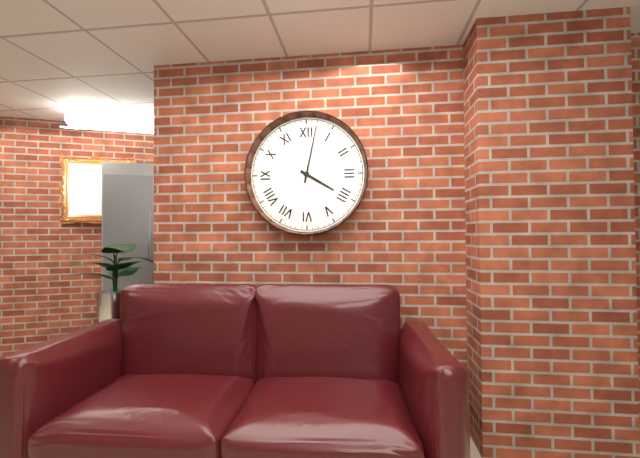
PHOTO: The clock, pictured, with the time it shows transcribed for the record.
4:02
